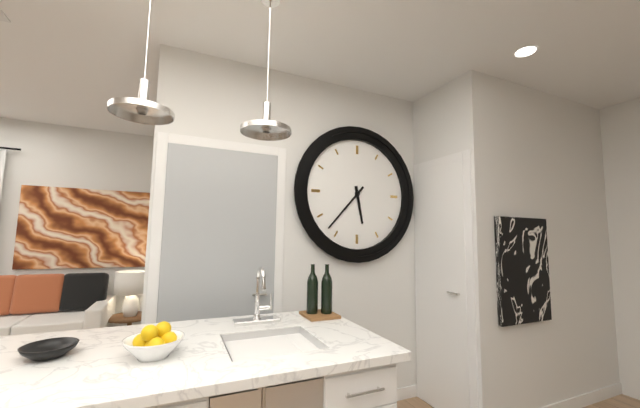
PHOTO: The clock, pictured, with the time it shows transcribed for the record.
5:37
